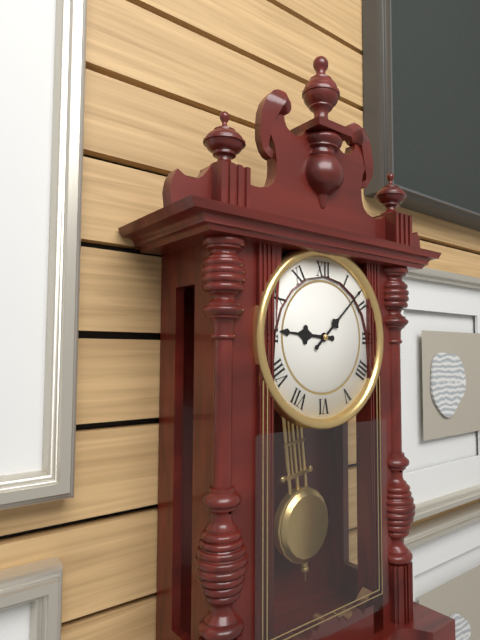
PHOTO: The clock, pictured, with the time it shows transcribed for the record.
9:08
